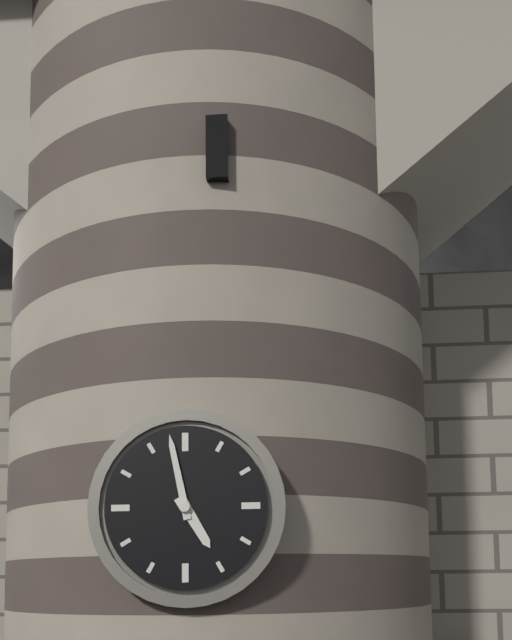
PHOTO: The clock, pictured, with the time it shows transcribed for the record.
4:58
